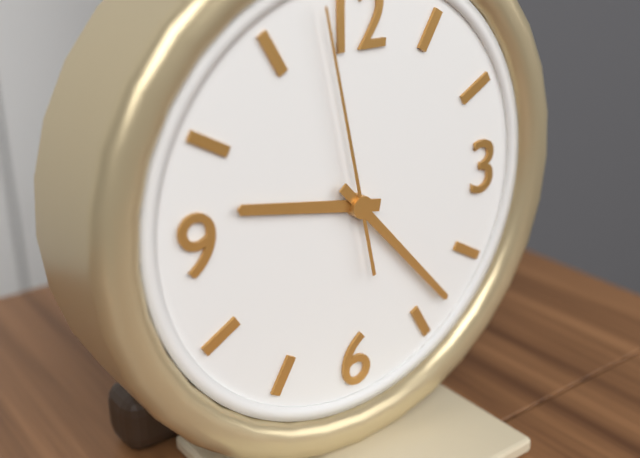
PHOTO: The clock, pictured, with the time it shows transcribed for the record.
9:23:58
